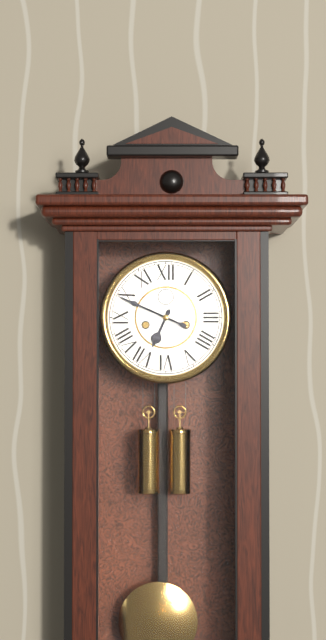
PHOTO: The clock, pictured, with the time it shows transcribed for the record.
6:49
